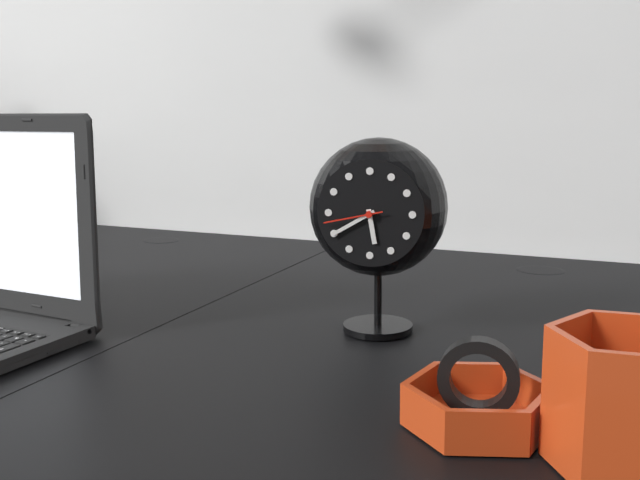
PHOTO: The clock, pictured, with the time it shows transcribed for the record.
5:40:43
